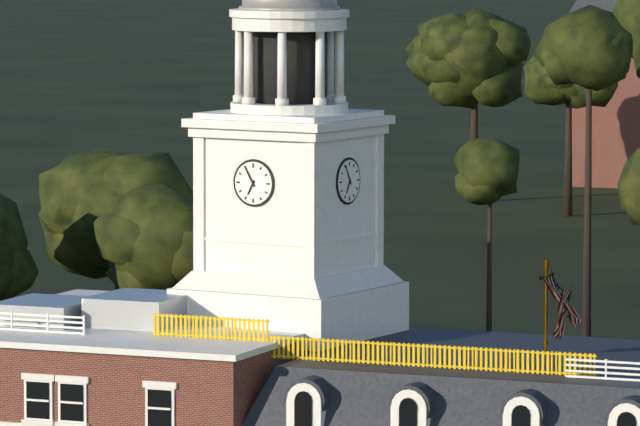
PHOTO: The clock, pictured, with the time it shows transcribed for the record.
6:55
